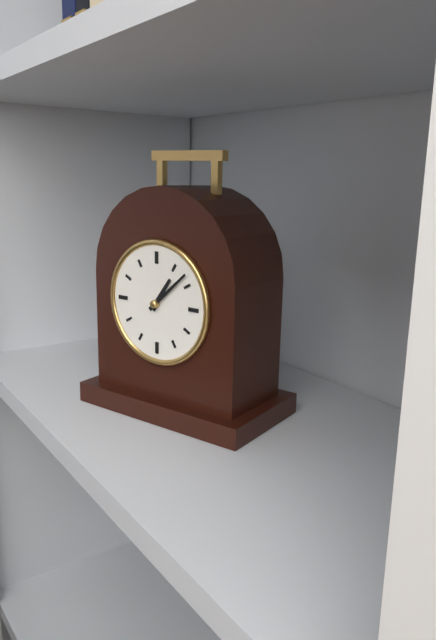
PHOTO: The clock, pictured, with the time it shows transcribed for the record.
1:08
